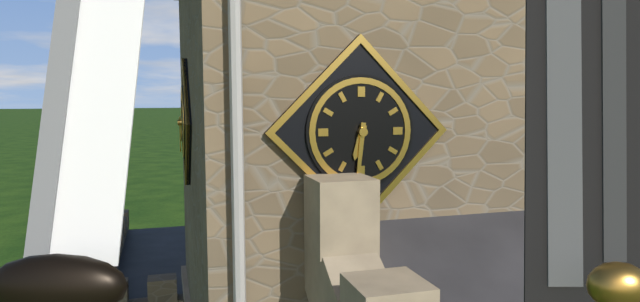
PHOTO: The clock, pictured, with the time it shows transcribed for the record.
6:31
